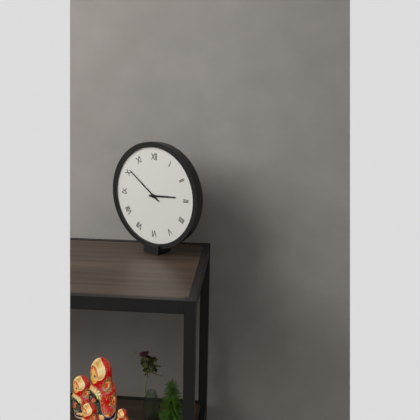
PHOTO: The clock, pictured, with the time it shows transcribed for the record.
2:51
